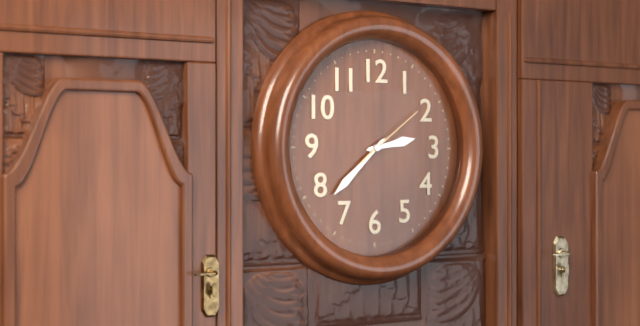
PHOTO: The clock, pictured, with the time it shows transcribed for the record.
2:38:09
